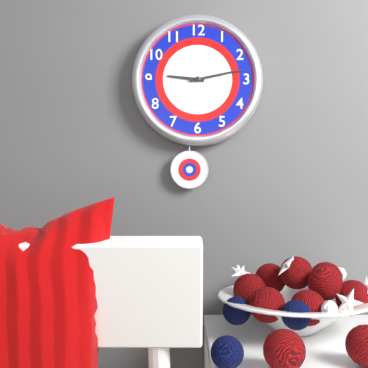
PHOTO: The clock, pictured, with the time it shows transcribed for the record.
9:13
